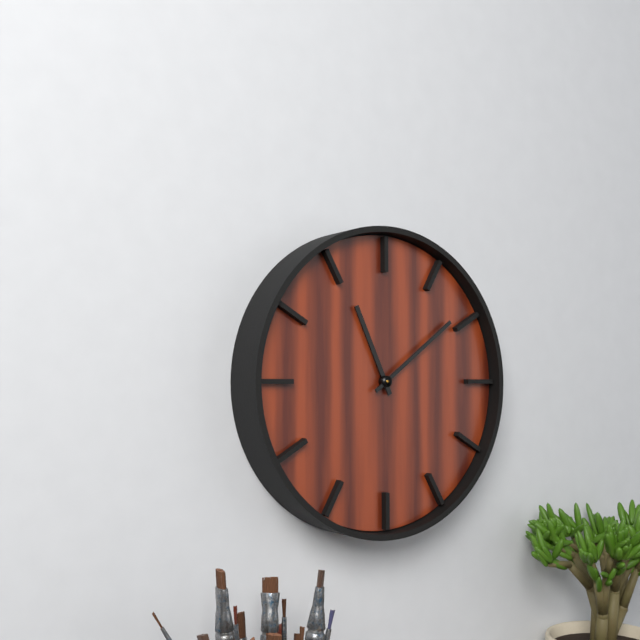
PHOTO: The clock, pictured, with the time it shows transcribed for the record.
11:09
